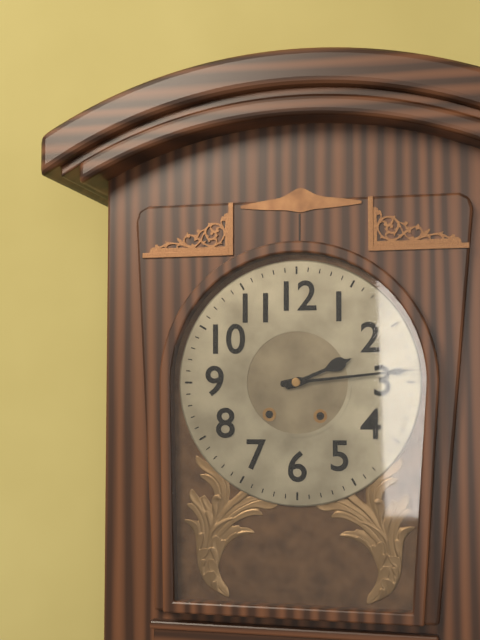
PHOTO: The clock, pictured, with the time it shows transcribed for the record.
2:14
